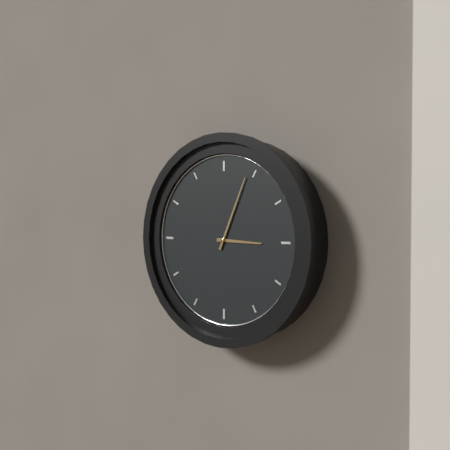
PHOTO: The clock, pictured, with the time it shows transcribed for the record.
3:04
